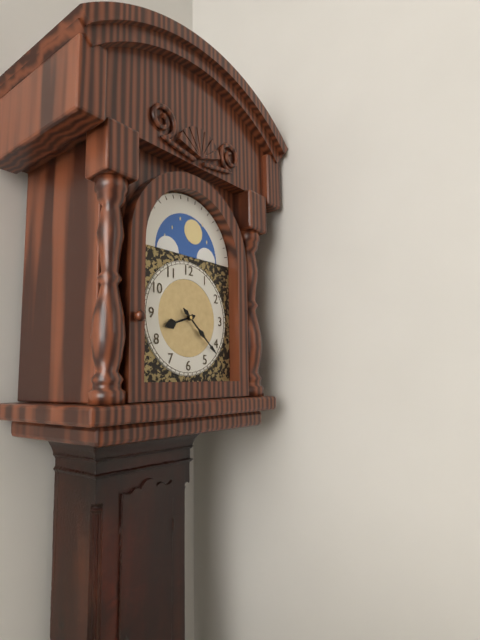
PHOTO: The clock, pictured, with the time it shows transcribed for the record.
8:22
